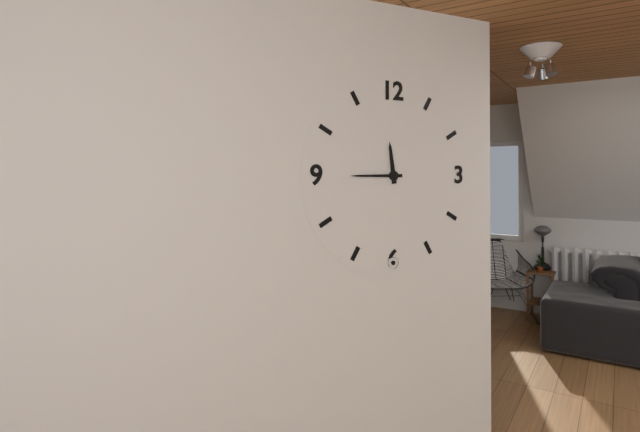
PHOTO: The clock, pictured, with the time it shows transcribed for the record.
11:45
